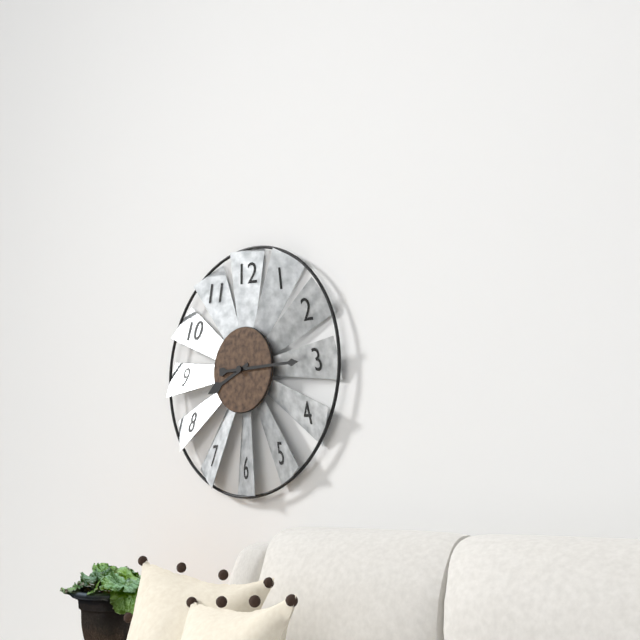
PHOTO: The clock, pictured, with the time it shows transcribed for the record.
8:15
